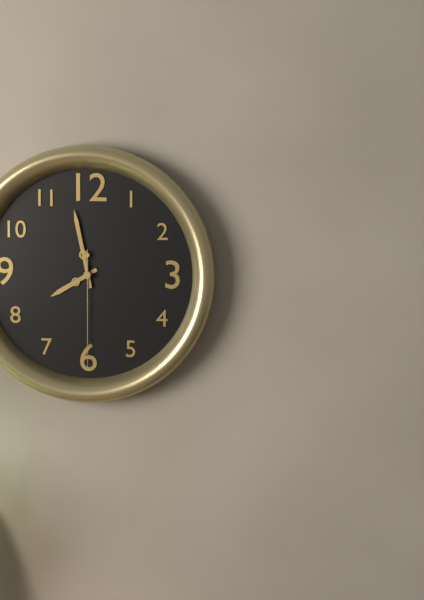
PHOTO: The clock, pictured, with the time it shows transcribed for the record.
7:58:30
